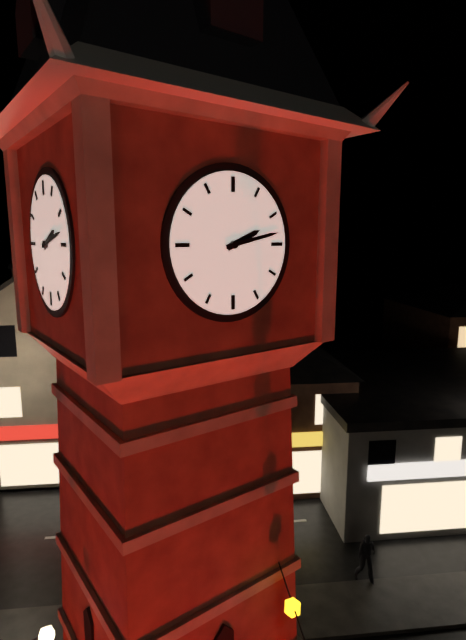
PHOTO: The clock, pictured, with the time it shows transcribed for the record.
2:13
